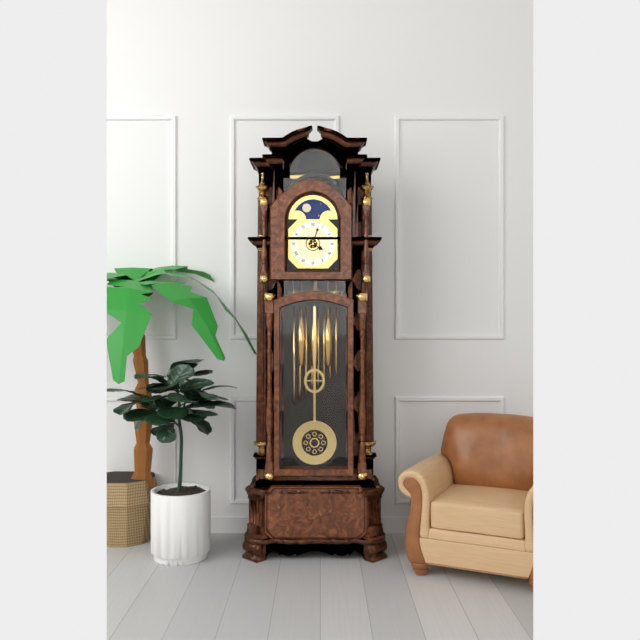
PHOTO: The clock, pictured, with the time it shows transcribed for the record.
4:03
